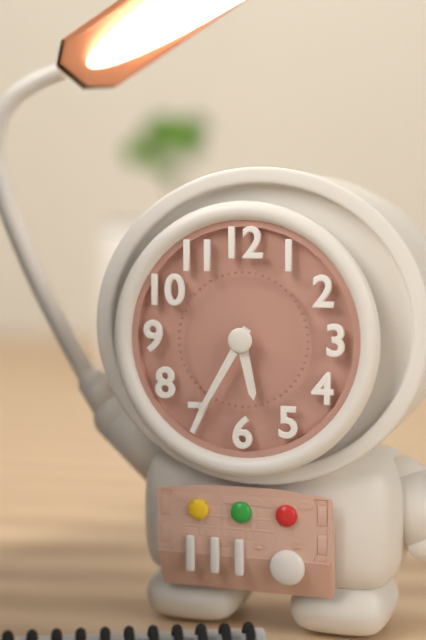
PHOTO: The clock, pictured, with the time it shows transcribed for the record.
5:35
